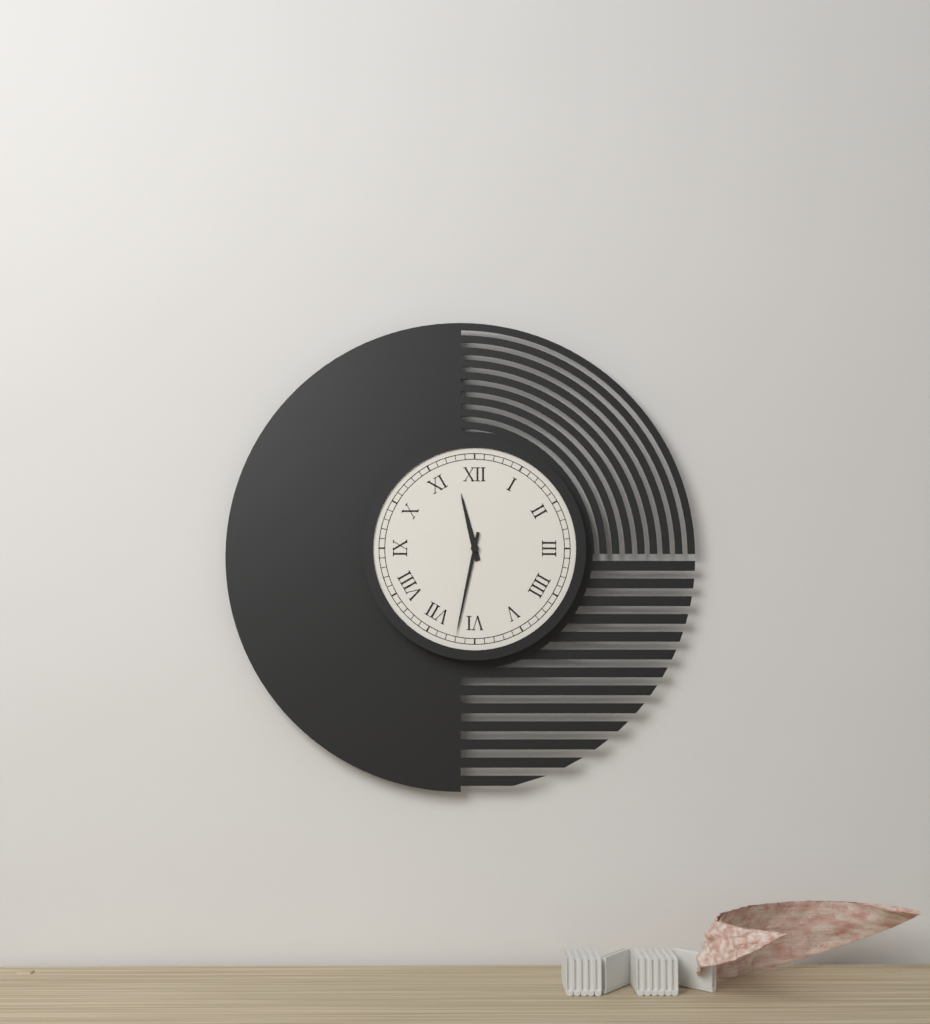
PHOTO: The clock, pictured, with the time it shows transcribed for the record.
11:32
